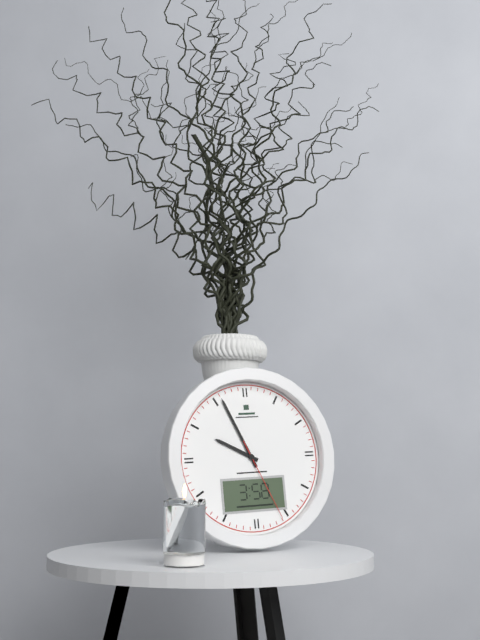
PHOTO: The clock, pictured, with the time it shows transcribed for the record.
9:56:26
